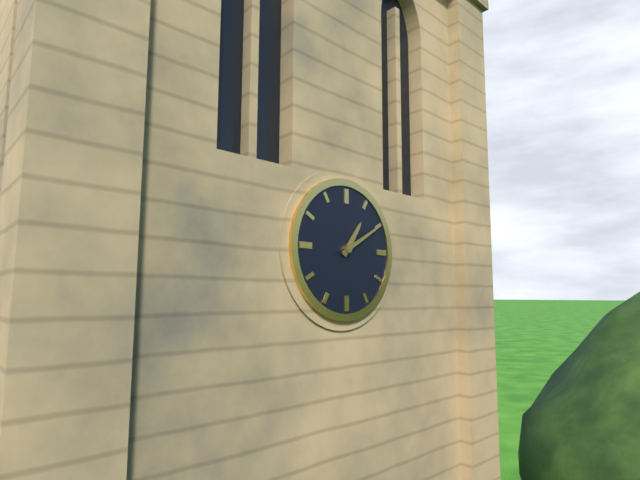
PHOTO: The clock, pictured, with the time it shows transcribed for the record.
1:10
